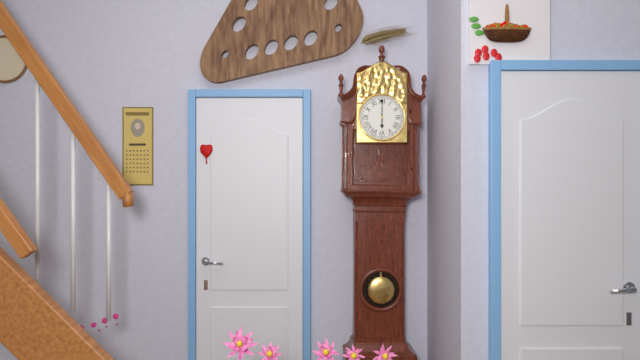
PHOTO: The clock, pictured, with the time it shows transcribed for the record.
6:00
